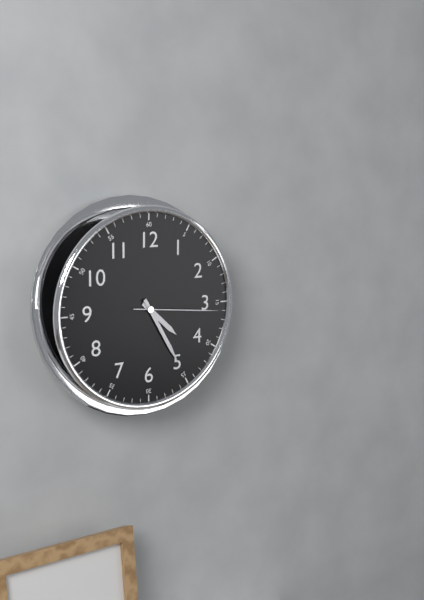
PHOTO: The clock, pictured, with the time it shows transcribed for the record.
4:25:16
